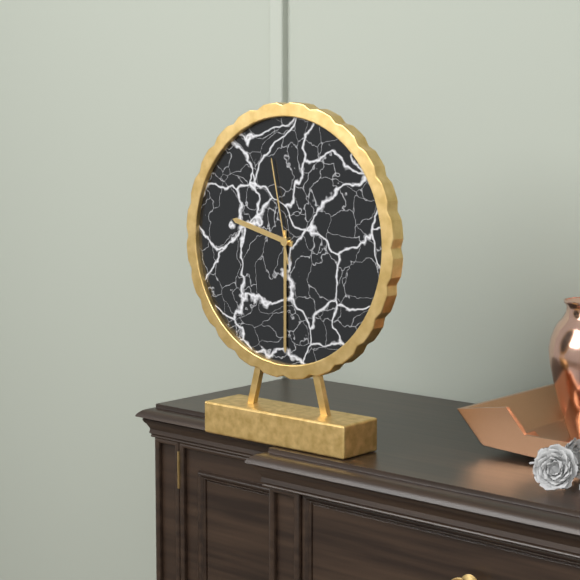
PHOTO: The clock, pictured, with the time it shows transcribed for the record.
9:30:58
